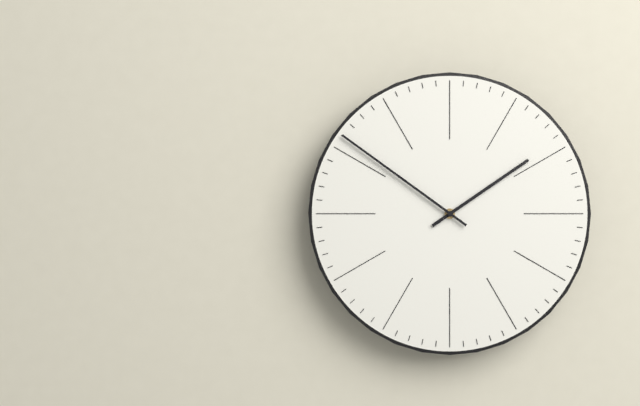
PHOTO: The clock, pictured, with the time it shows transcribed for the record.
1:51
